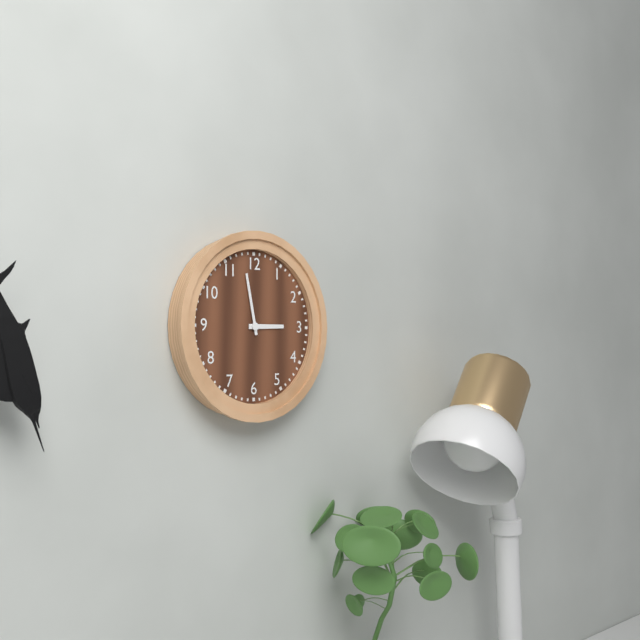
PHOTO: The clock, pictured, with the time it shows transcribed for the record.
2:58
